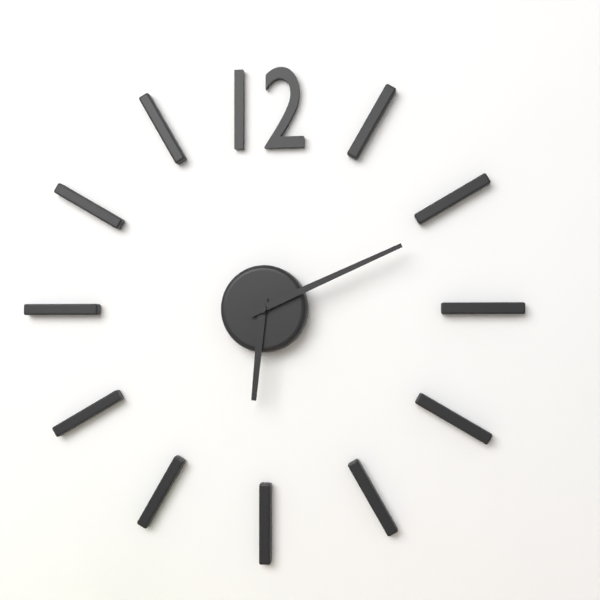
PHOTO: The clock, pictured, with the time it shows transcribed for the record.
6:11
